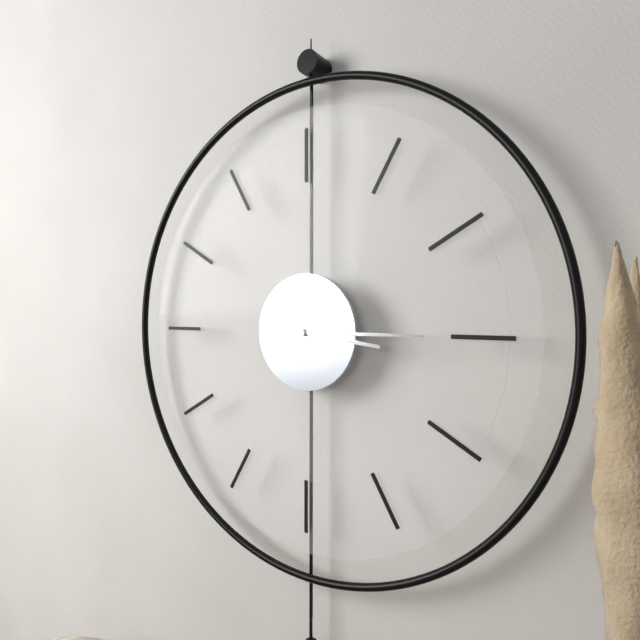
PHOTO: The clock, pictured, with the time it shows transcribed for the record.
3:15
